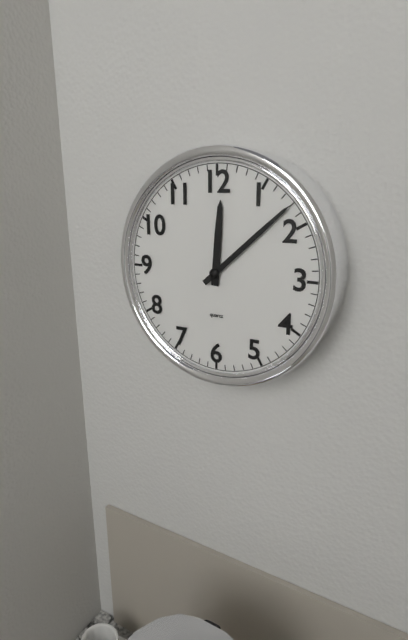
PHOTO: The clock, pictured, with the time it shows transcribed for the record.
12:08
